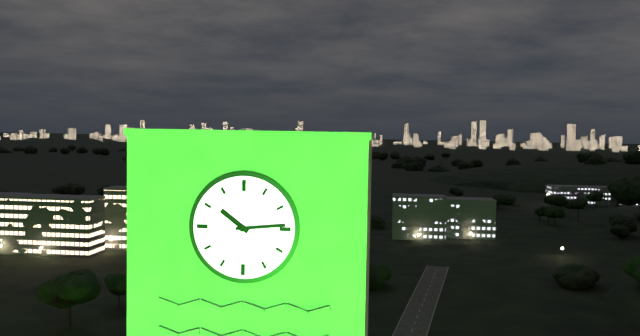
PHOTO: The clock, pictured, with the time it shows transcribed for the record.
10:14
